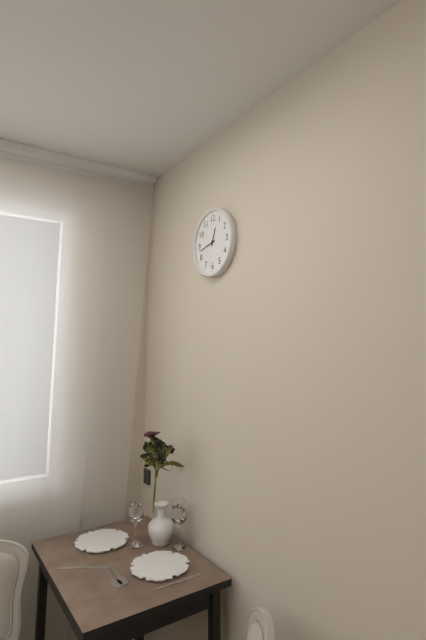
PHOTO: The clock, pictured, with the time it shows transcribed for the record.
12:43
